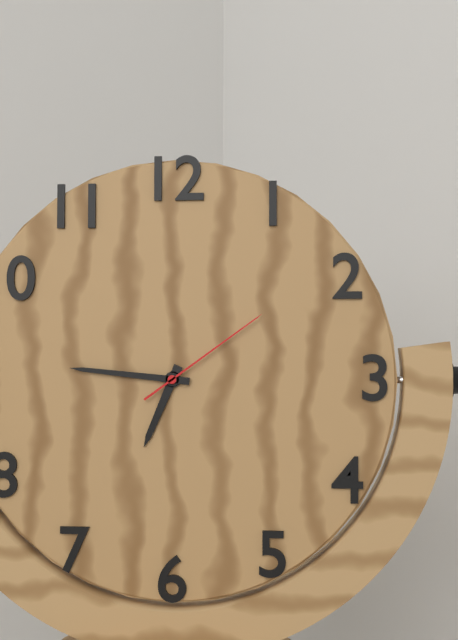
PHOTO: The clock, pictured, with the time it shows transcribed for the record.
6:46:09
